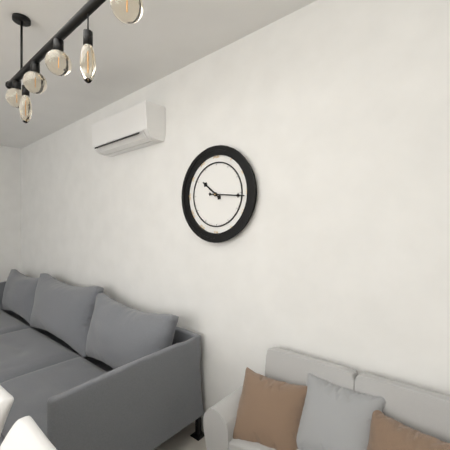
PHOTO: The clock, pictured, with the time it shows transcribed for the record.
10:16
